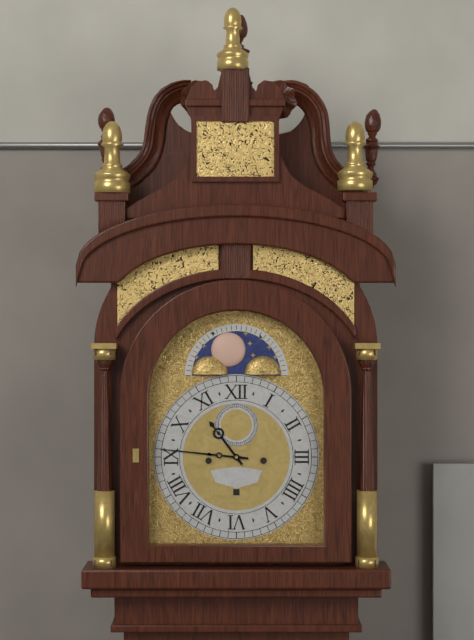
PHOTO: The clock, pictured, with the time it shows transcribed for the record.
10:46
